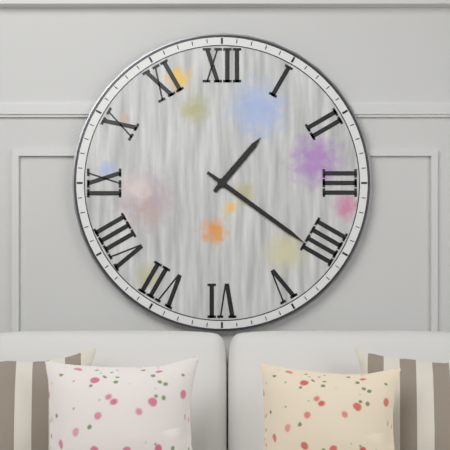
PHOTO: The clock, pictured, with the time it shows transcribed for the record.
1:21
